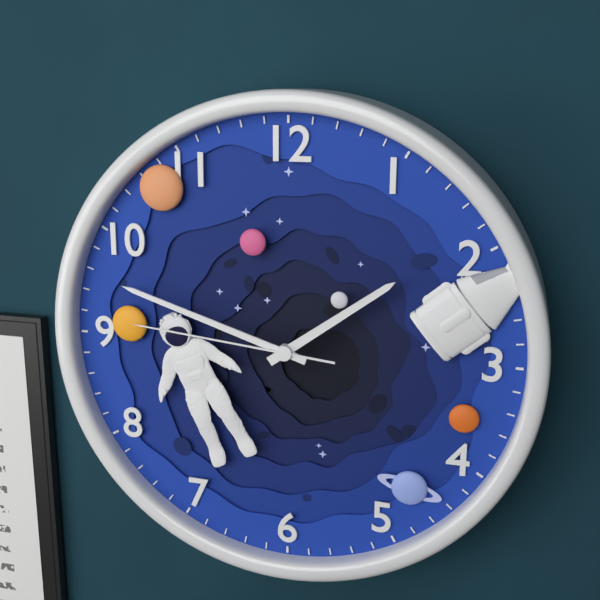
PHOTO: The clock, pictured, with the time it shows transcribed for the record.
1:48:46
